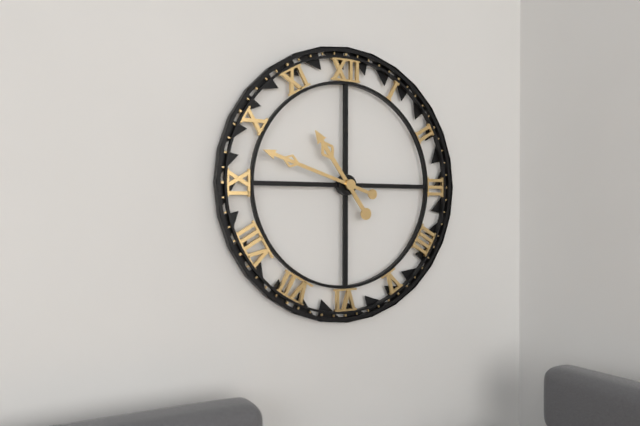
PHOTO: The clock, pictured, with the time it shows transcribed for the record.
10:48
